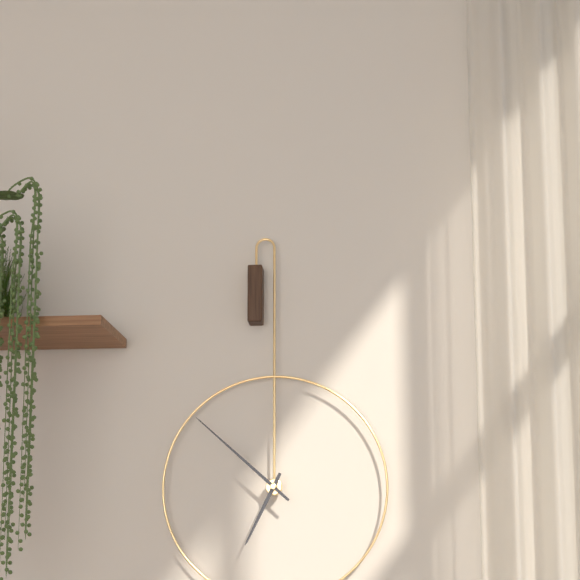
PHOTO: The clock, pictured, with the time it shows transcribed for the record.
6:52
